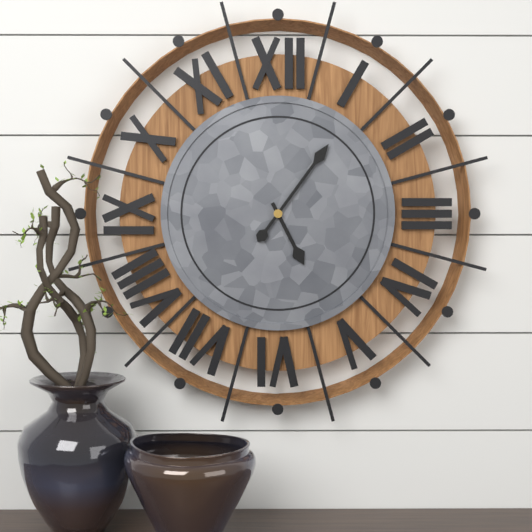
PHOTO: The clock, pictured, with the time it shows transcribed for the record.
5:06
